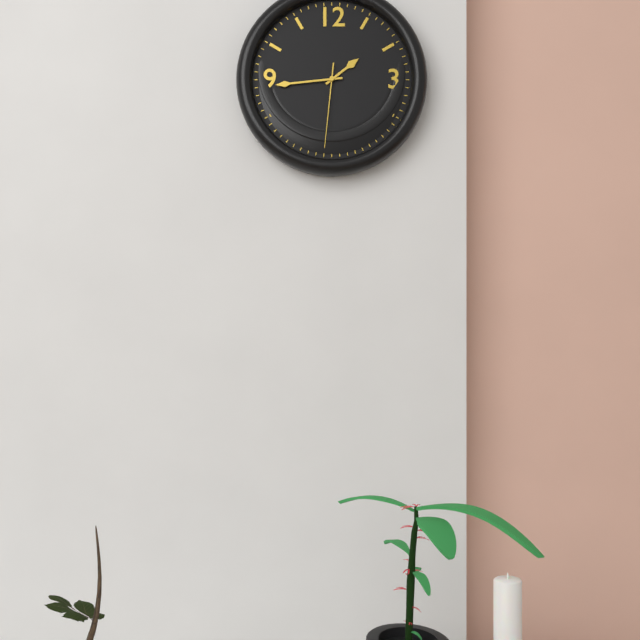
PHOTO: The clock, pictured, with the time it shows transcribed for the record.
1:44:31
